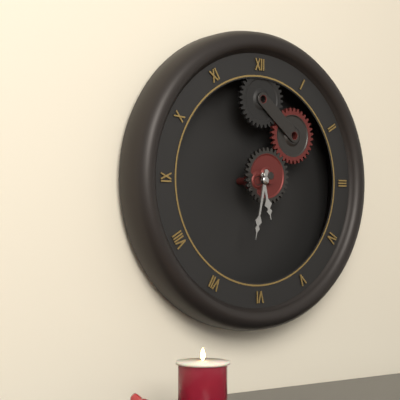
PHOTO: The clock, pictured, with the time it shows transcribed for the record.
5:32
